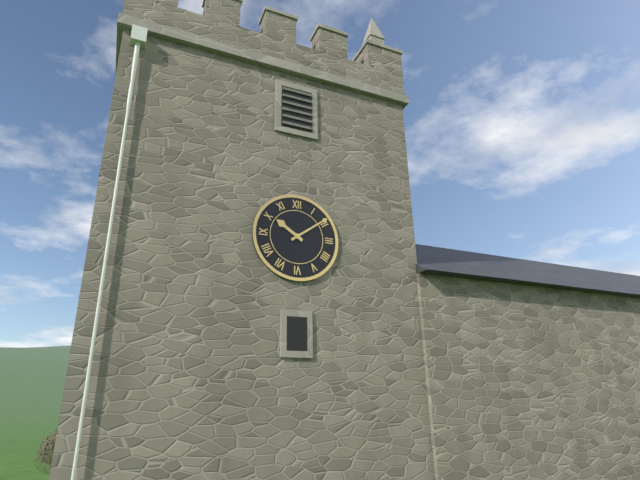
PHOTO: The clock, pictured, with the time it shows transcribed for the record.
10:09
